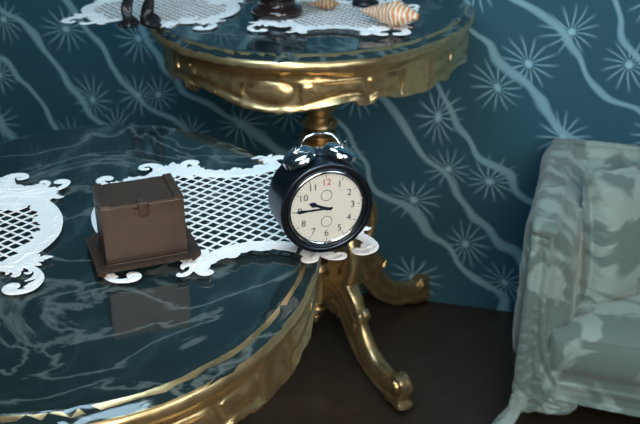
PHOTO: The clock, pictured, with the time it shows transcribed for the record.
9:45
